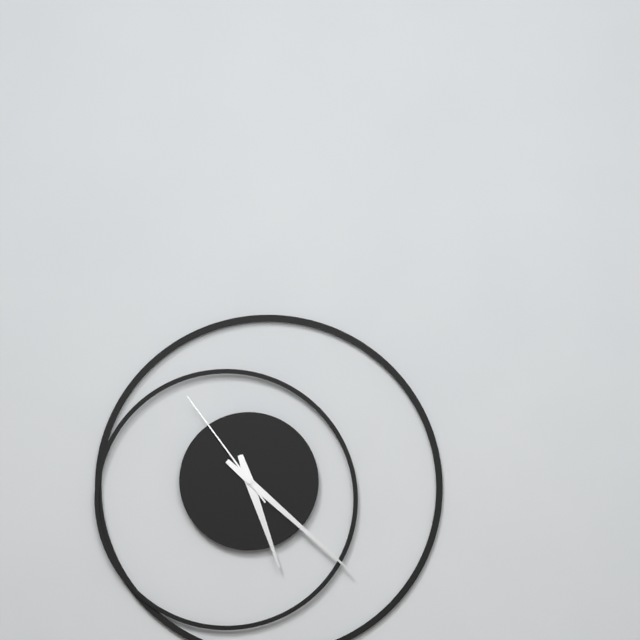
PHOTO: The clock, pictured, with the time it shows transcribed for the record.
5:22:54
